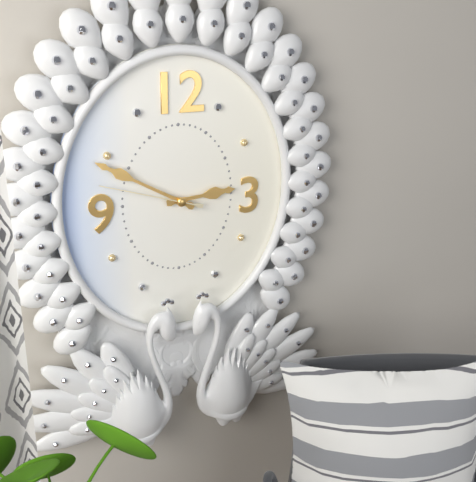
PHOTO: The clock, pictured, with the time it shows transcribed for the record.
2:50:48
